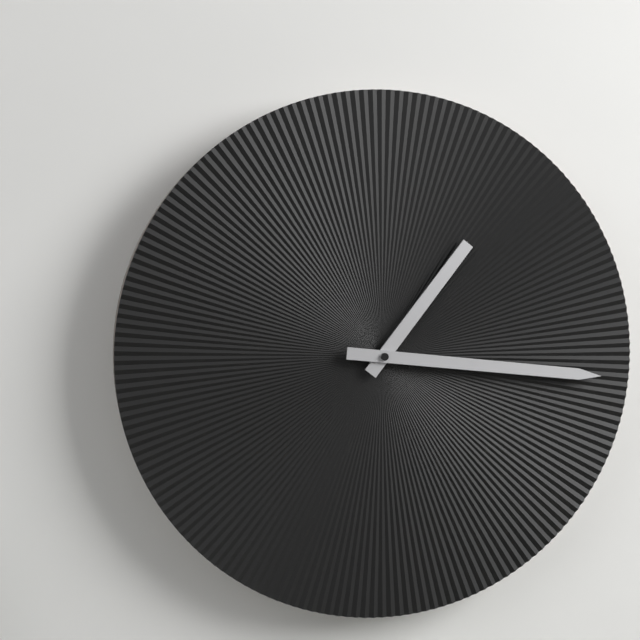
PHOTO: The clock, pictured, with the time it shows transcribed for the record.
1:16
